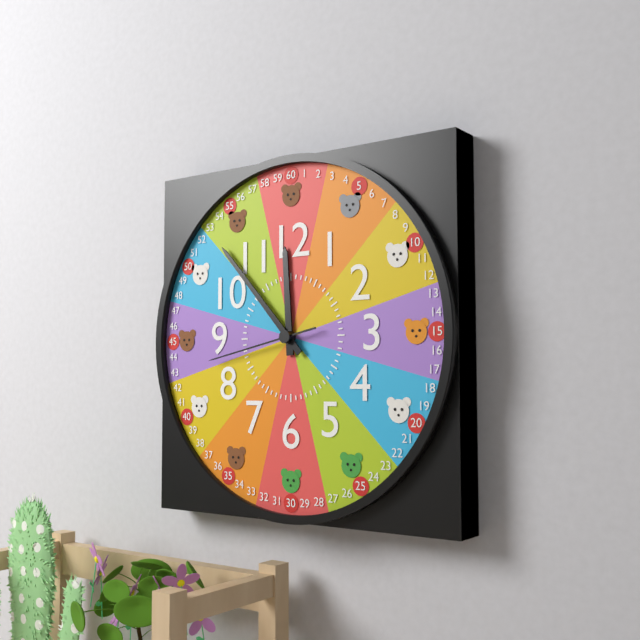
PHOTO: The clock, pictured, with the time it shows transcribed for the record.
11:53:43
